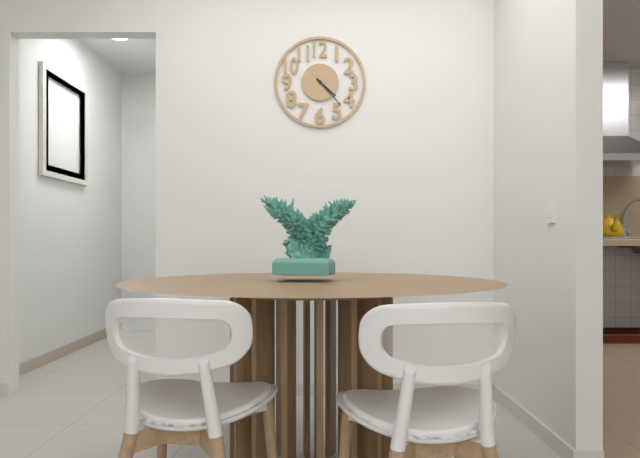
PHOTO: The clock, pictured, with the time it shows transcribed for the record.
4:23
